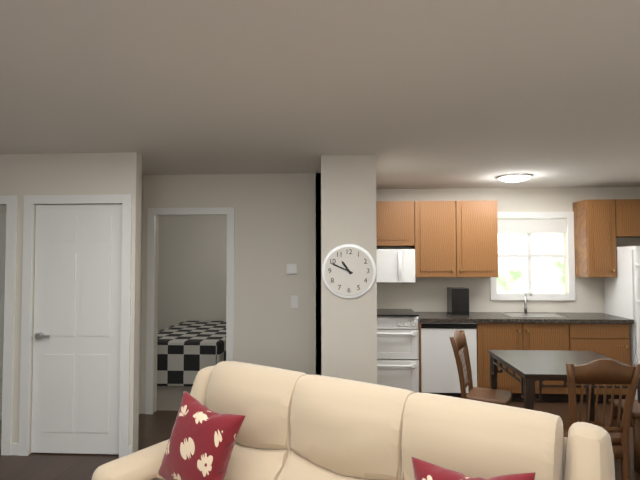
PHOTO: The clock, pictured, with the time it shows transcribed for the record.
10:49
